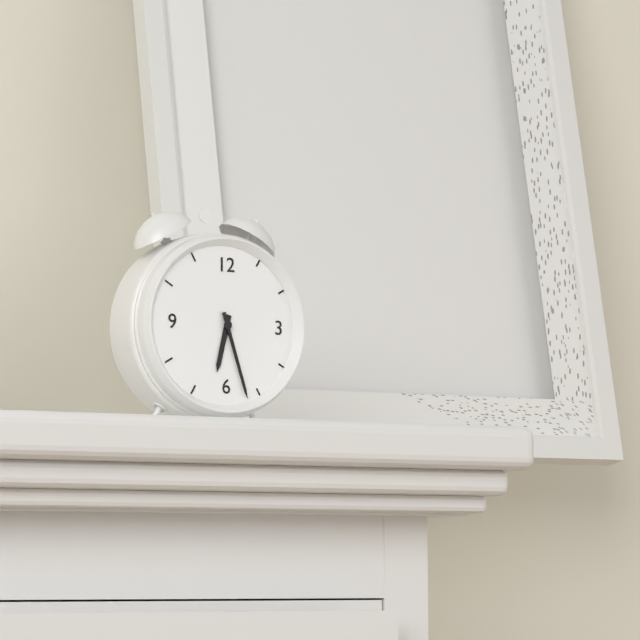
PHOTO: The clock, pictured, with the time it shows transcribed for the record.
6:27
